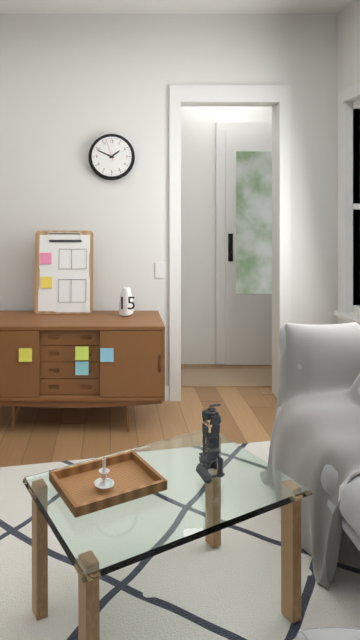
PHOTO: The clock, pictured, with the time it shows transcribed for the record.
1:49
